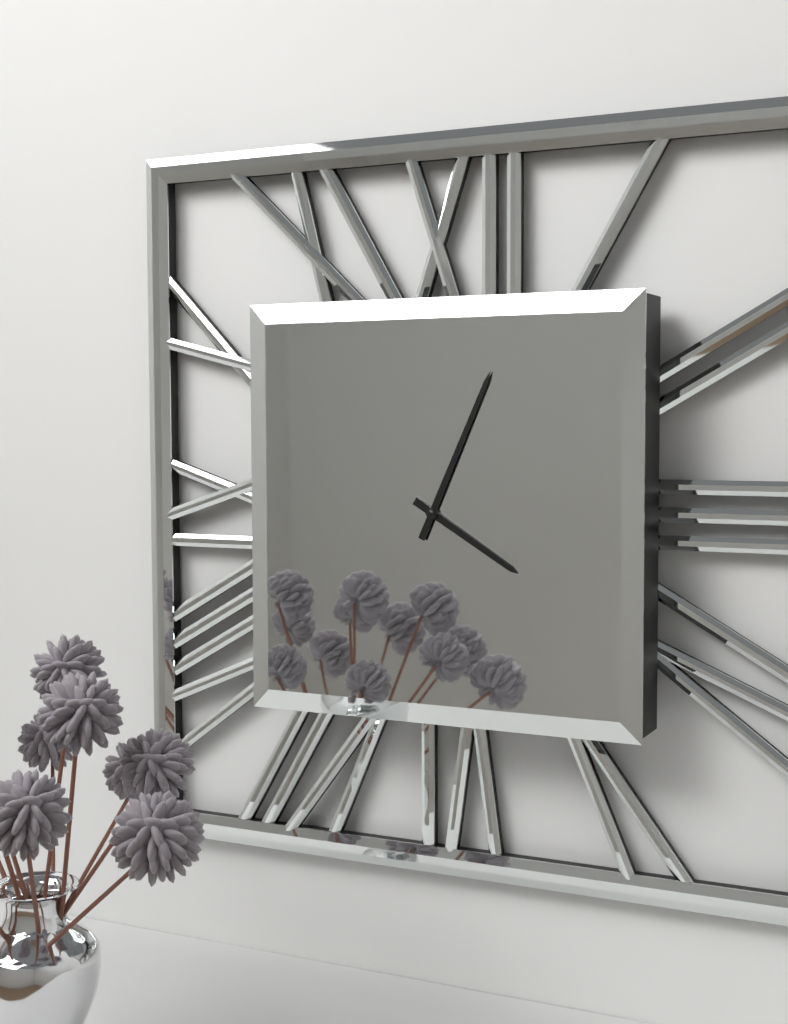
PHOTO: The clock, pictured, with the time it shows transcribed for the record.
4:04
